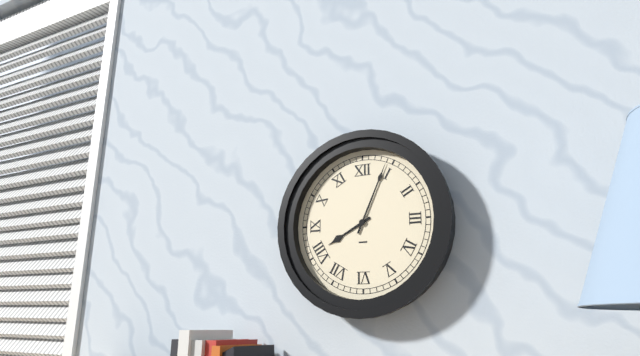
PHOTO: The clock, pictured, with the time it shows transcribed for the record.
8:04
